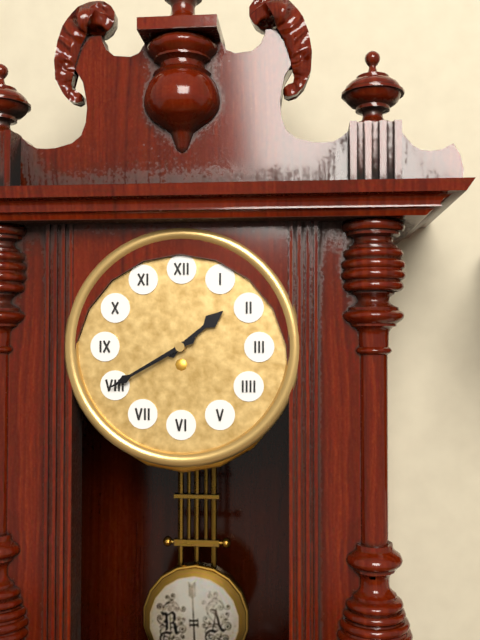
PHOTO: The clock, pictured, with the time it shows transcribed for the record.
1:40
